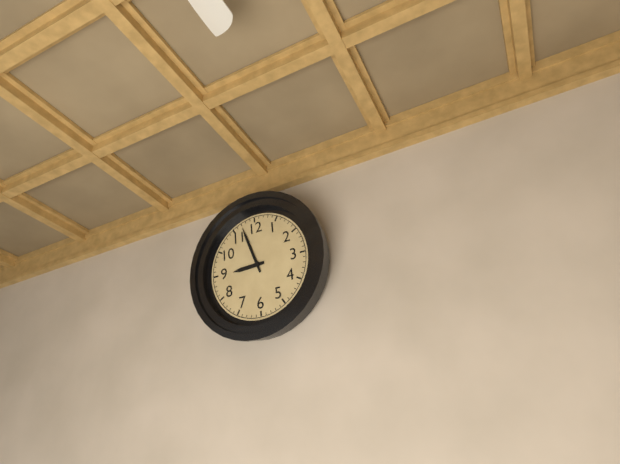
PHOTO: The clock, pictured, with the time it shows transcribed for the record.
8:57
